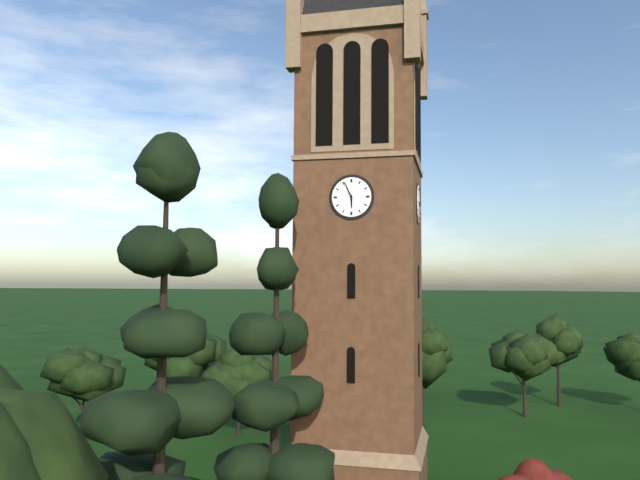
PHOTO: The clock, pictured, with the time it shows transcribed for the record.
5:56
